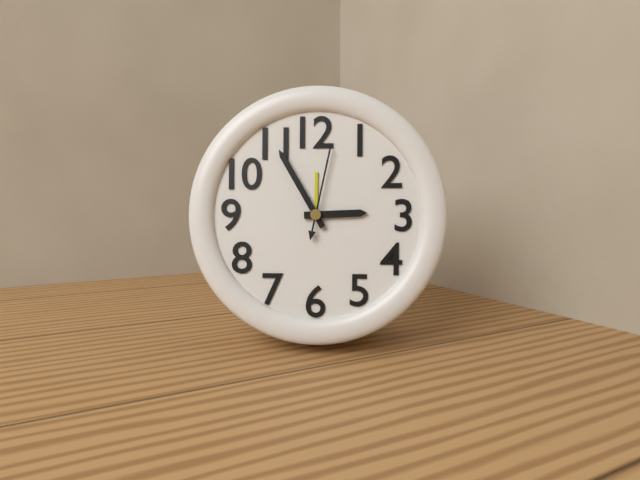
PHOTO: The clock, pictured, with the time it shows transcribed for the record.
2:55:02
